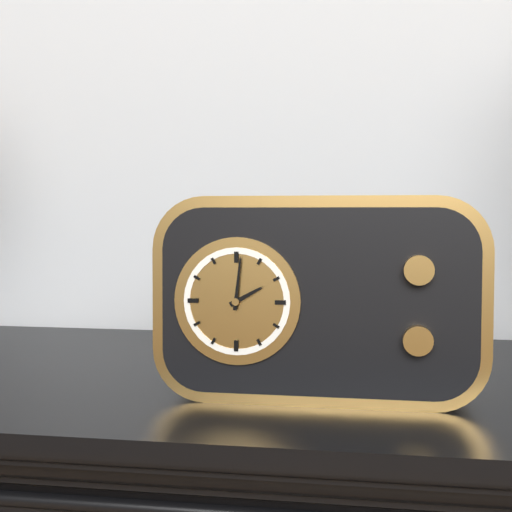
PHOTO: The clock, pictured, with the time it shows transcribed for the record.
2:01
